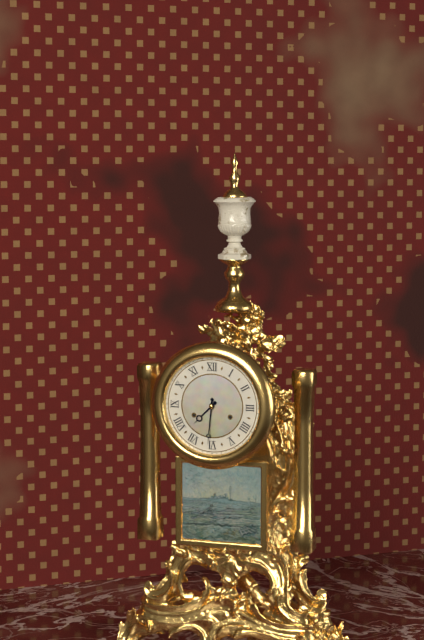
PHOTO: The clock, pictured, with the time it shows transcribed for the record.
7:31
